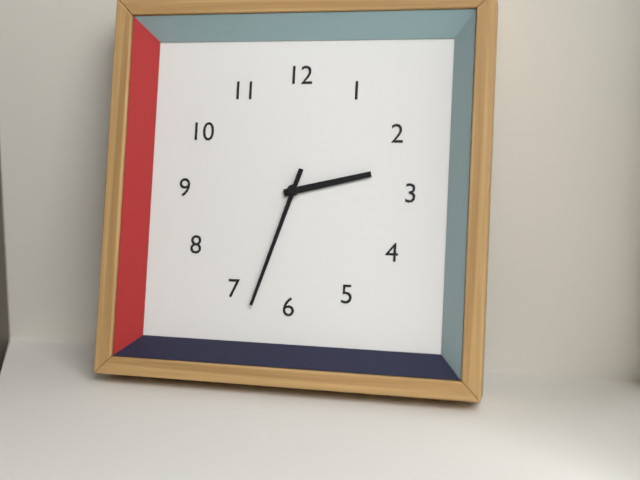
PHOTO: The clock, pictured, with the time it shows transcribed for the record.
2:33
